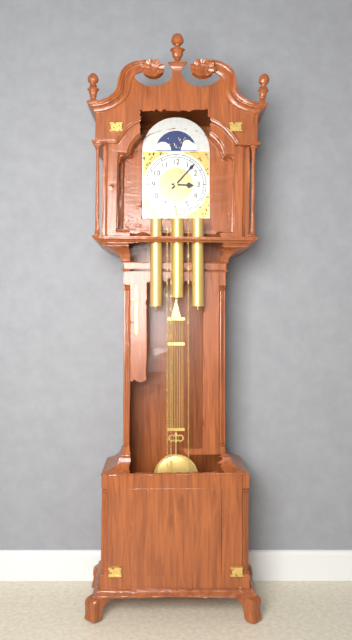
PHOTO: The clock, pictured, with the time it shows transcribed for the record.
3:07
